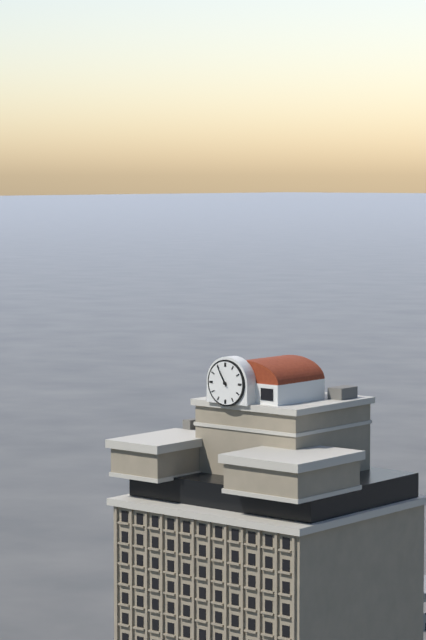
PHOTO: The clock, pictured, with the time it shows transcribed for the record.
10:55
